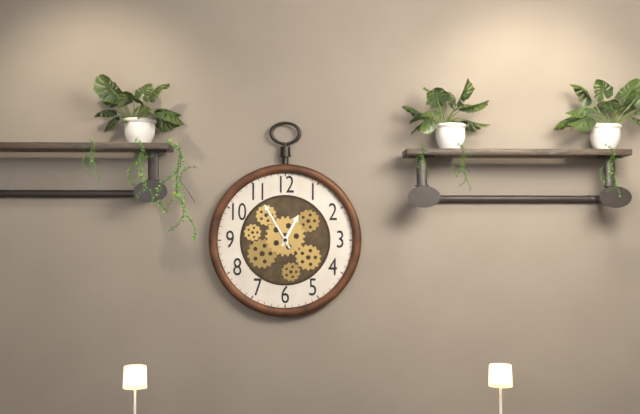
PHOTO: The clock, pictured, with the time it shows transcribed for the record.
12:55
